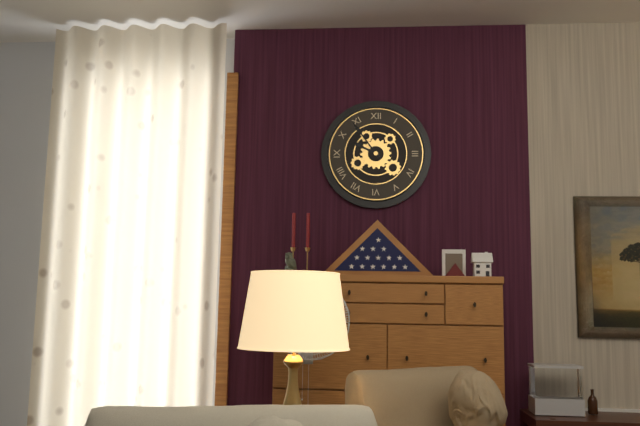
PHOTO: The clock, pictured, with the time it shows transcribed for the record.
9:54
